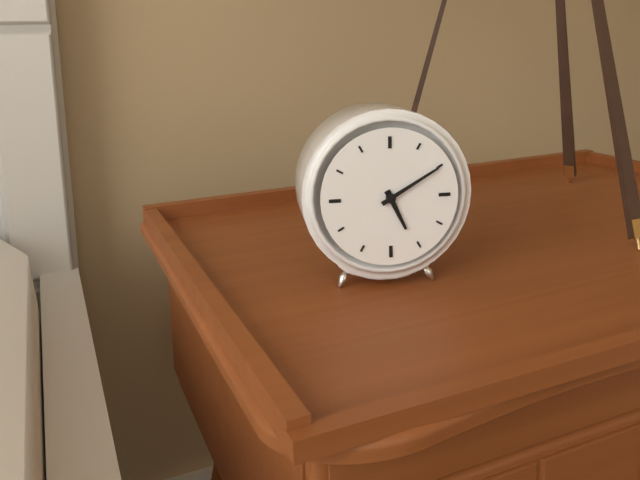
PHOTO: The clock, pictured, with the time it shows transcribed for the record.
5:10
